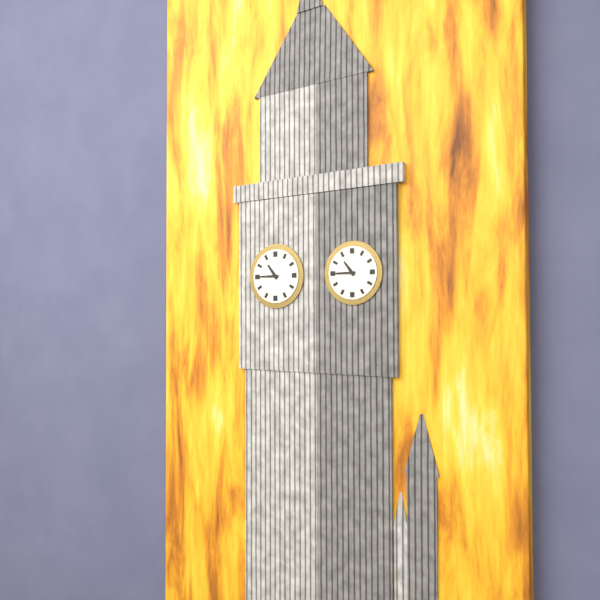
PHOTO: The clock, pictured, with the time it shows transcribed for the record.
10:45
